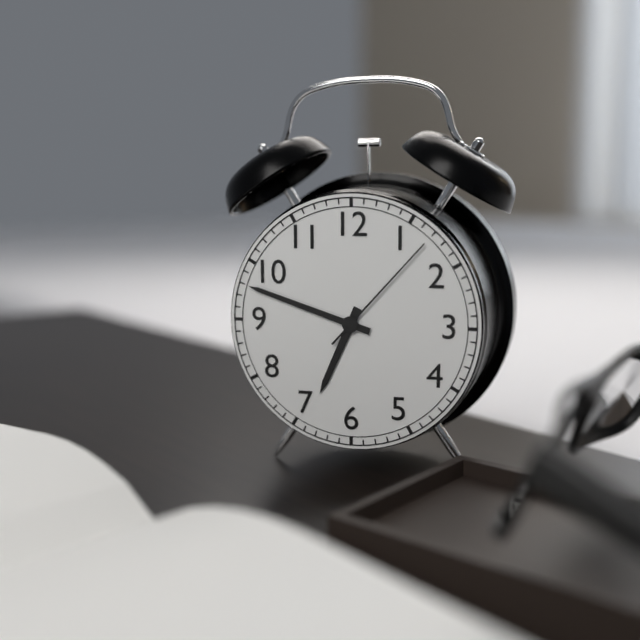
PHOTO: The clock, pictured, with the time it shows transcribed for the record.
6:48:07
